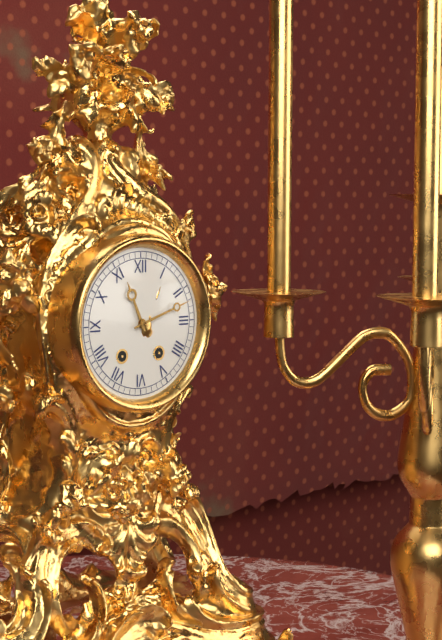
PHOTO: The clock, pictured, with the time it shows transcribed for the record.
11:12
